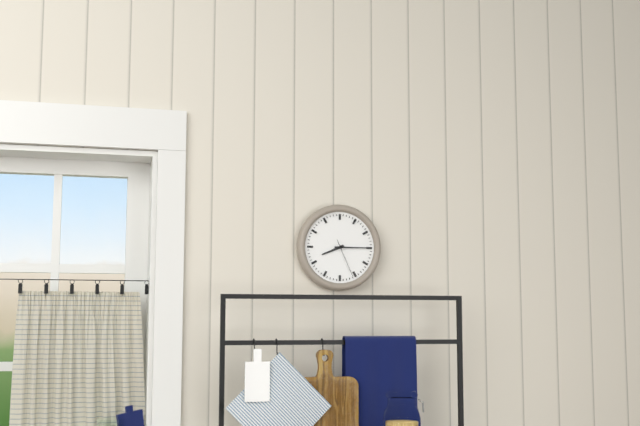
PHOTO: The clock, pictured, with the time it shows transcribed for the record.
8:15
